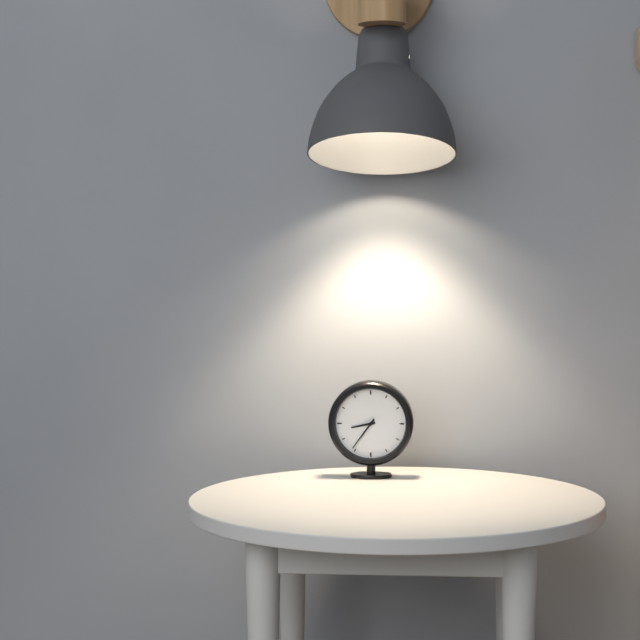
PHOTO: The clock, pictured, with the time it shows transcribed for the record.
8:36
